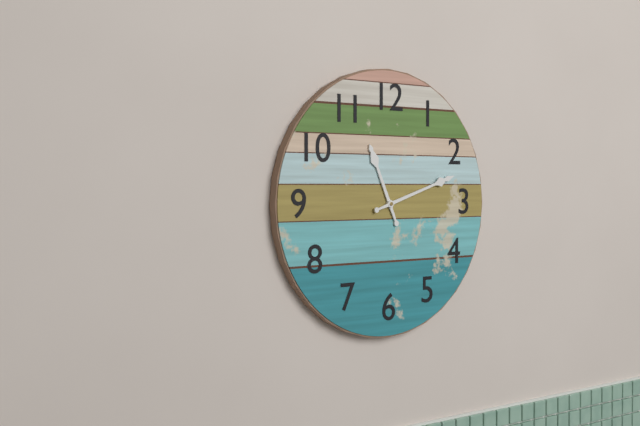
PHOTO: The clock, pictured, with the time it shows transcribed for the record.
11:12
